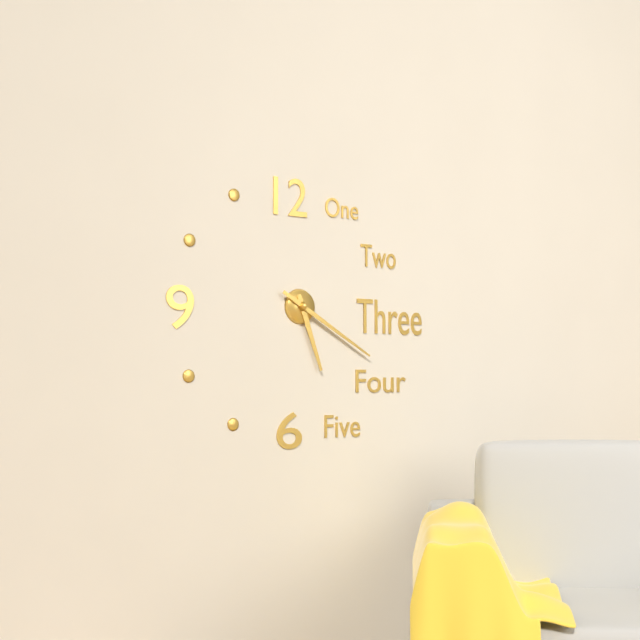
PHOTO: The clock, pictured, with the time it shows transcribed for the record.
5:20
